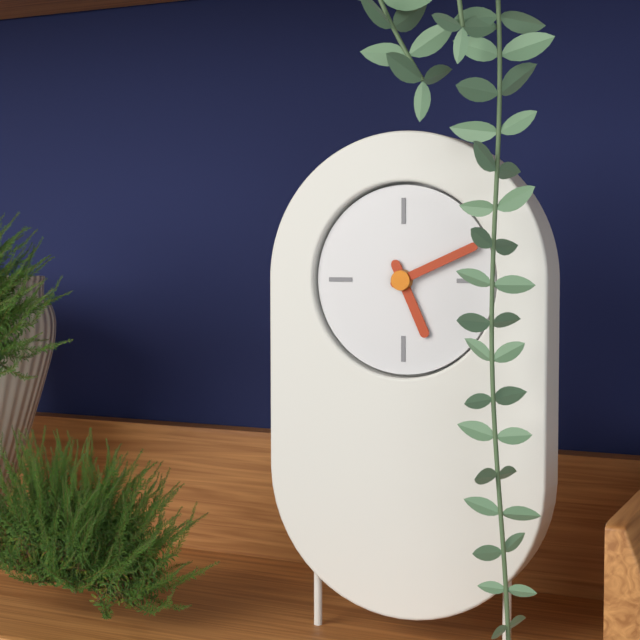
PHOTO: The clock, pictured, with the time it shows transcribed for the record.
5:11
